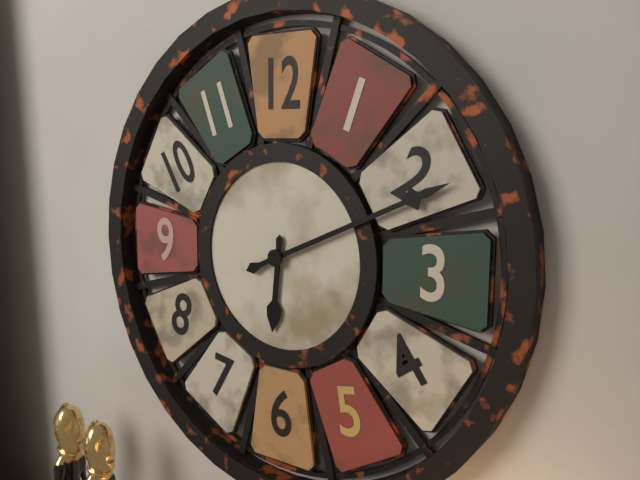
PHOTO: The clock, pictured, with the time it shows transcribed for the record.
6:11
